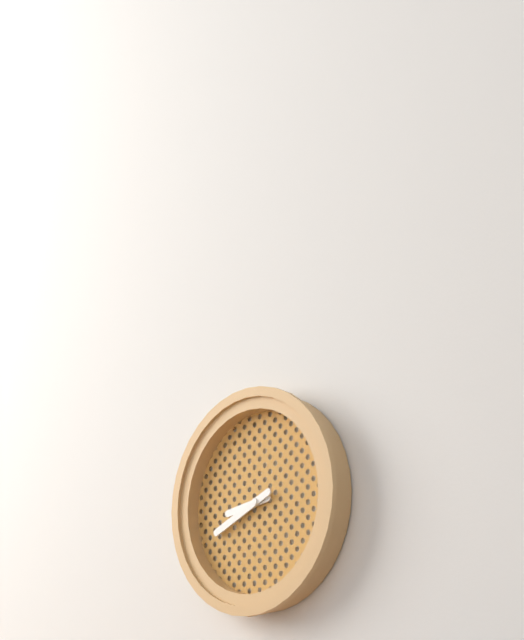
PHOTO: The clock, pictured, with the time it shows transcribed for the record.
8:41
